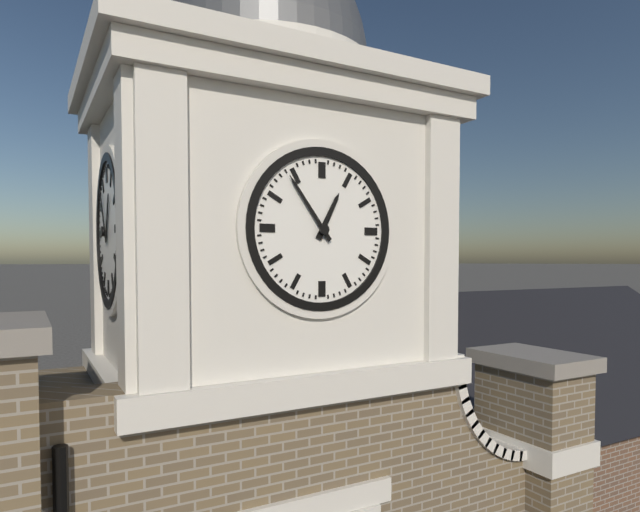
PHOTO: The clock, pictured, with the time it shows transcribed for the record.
12:54
